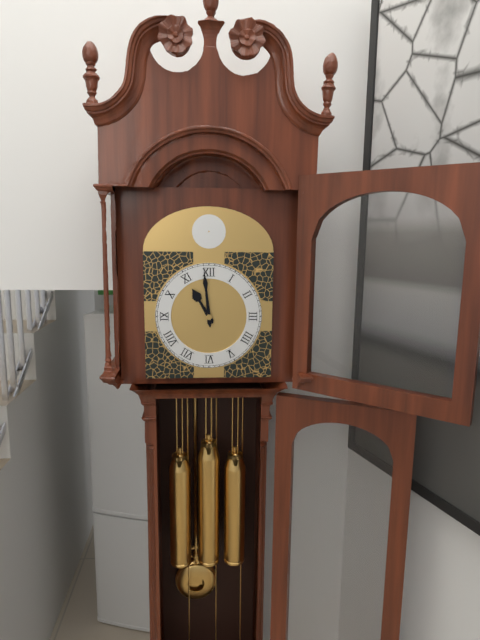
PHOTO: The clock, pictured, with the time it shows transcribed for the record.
10:59
